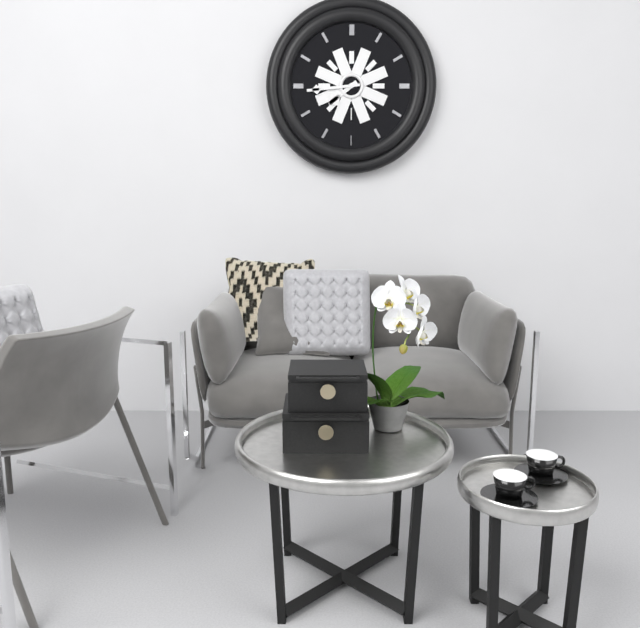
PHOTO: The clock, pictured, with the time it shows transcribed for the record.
7:44
